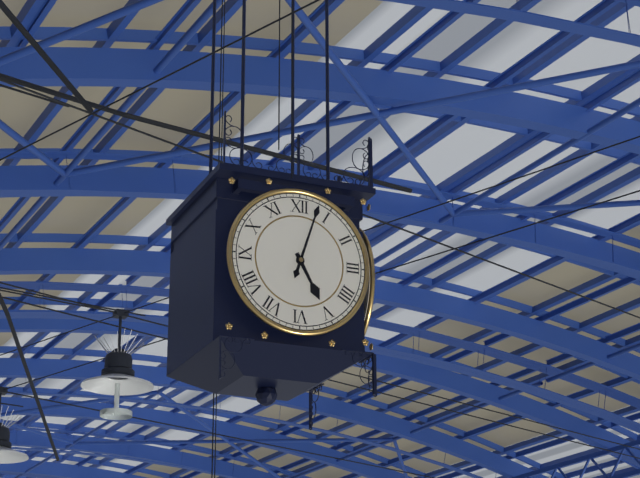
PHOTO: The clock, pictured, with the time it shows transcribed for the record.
5:03
